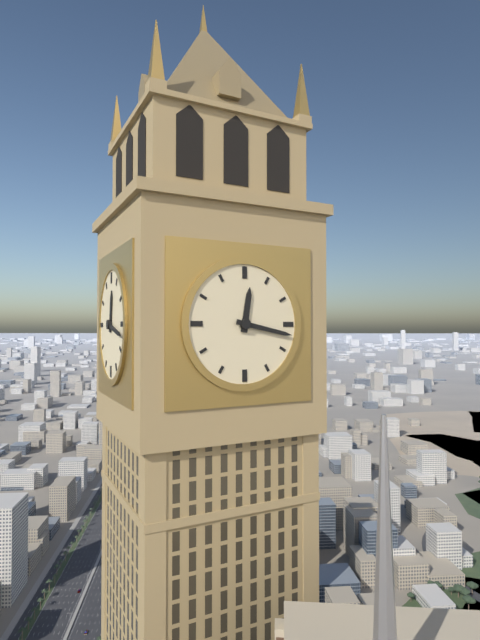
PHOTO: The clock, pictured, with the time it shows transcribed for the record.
12:17
